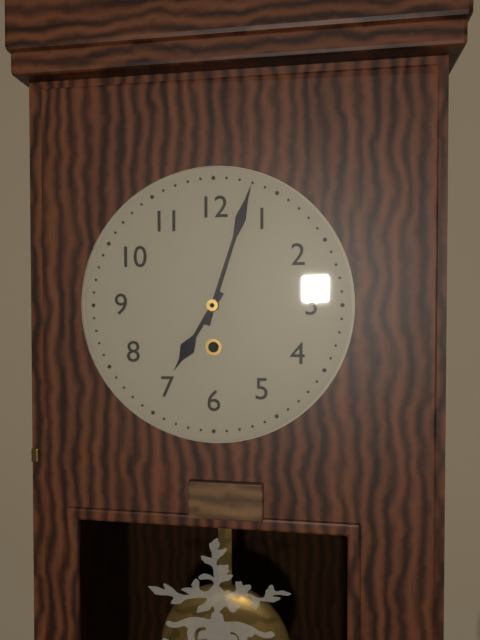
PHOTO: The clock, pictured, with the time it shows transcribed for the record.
7:03
